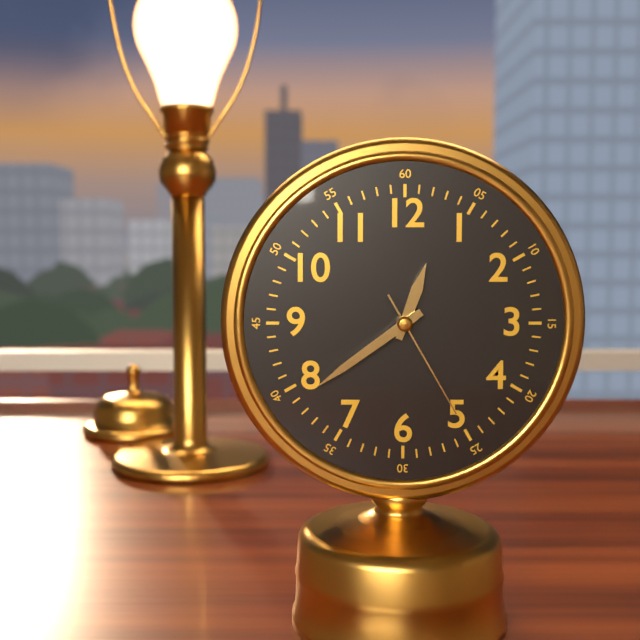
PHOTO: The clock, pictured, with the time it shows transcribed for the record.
12:39:25
